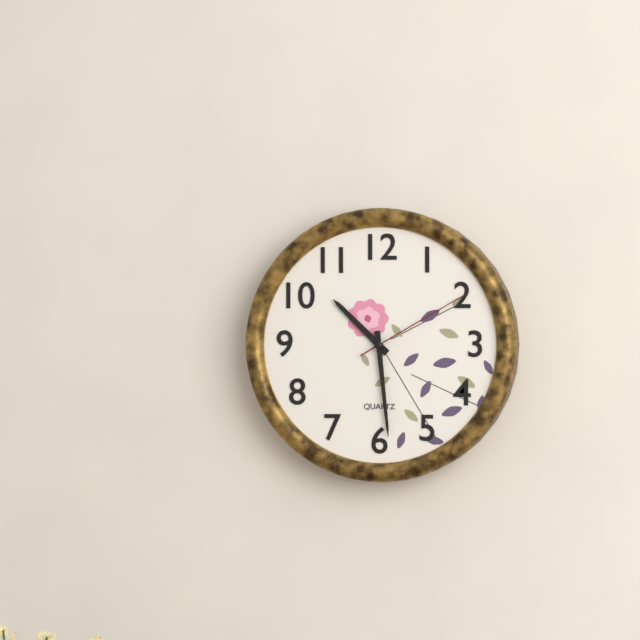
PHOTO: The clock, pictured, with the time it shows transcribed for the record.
10:29:10
